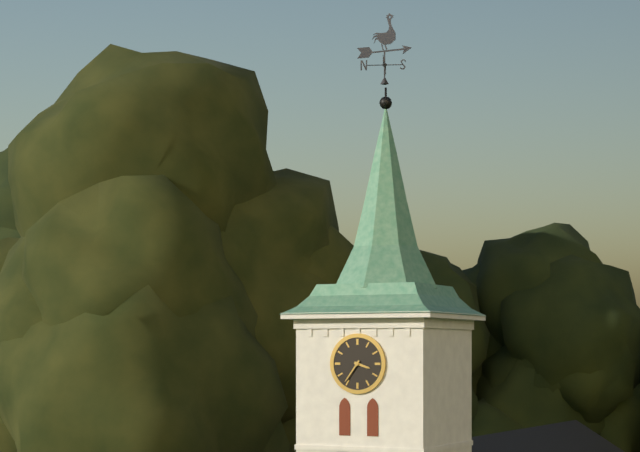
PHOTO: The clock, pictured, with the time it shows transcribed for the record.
3:36
